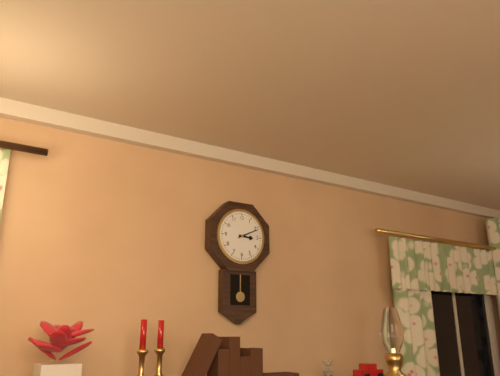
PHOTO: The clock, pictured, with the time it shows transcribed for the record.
3:11
